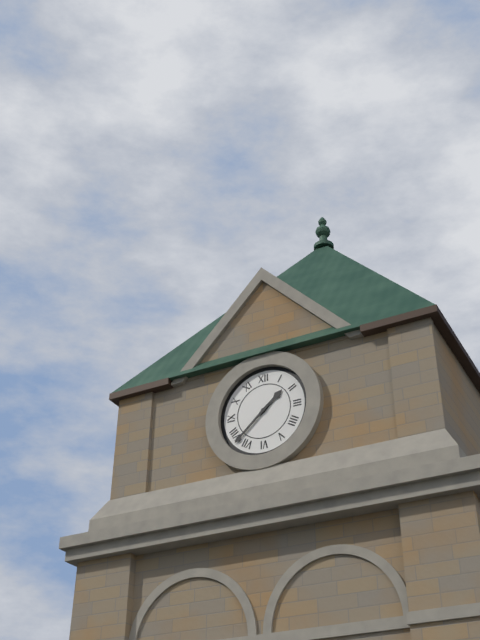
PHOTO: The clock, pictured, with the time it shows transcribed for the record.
1:38
